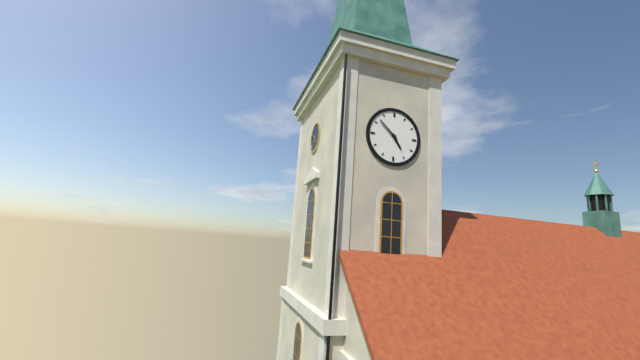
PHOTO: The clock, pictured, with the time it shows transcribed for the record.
4:52
